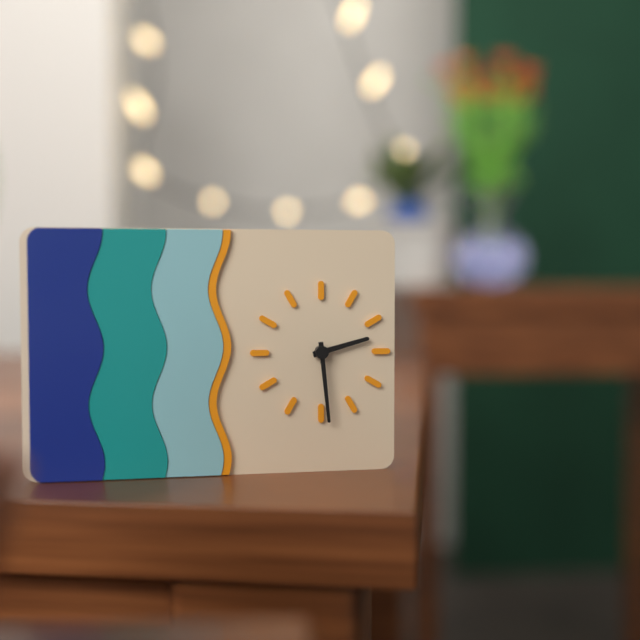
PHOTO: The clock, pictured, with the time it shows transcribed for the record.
2:29
